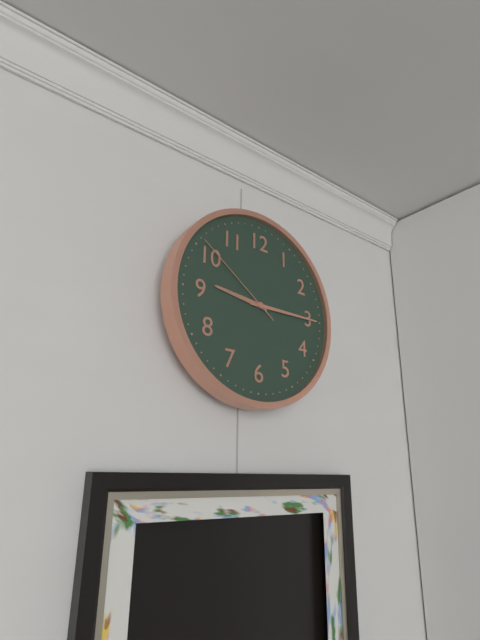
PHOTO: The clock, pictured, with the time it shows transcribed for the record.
9:15:51
